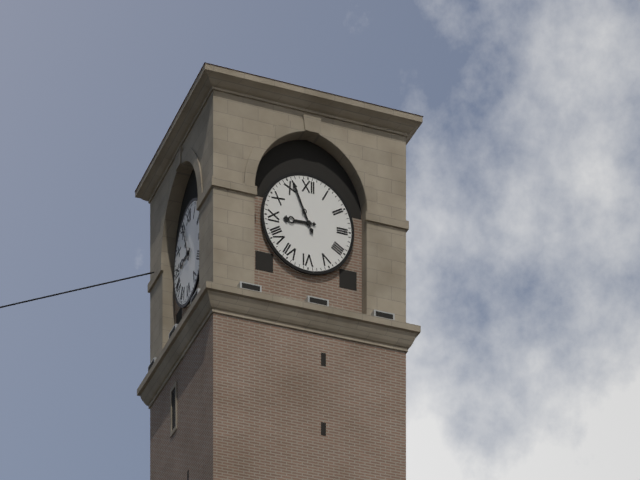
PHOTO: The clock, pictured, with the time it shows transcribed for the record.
8:56
